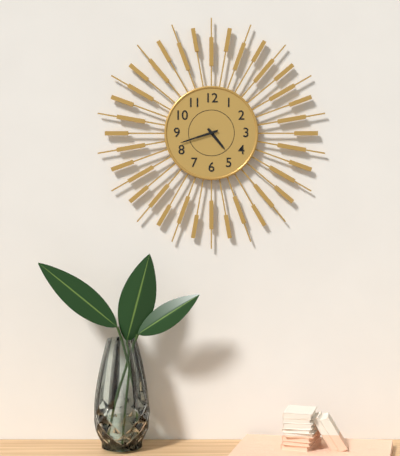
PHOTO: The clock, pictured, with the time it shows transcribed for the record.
4:42
